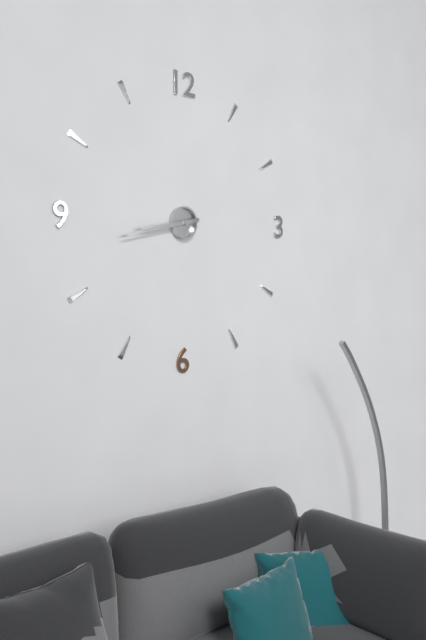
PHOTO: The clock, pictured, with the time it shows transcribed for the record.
8:43
